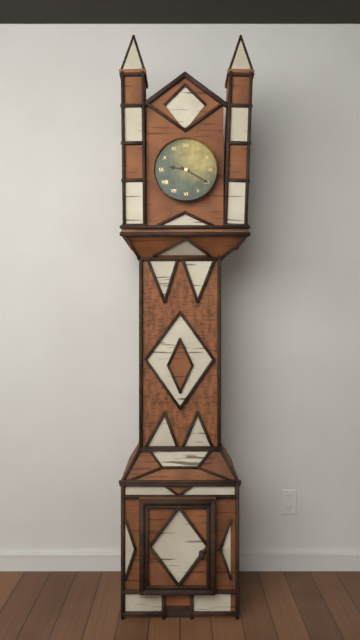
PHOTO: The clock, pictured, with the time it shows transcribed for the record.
9:20
